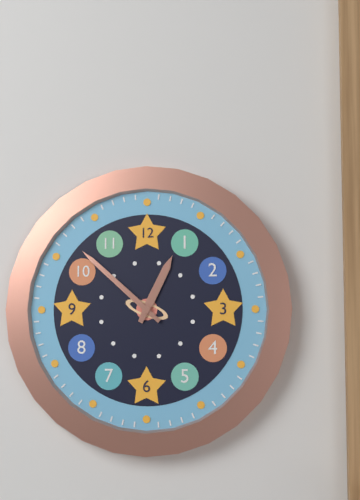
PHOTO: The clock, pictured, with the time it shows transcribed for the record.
12:52
